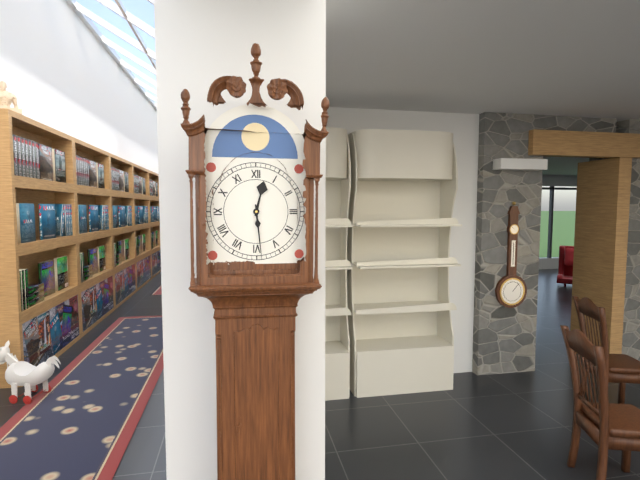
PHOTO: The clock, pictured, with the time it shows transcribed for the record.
12:29
